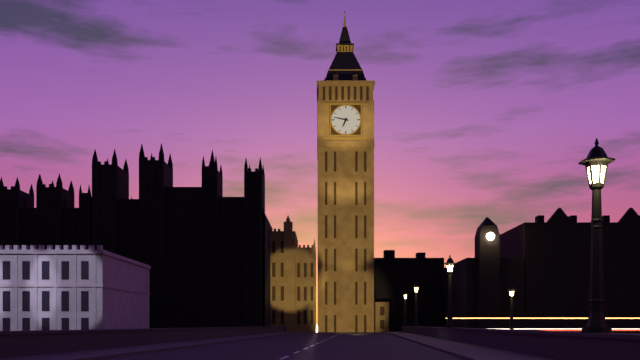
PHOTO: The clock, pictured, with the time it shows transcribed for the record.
6:47
